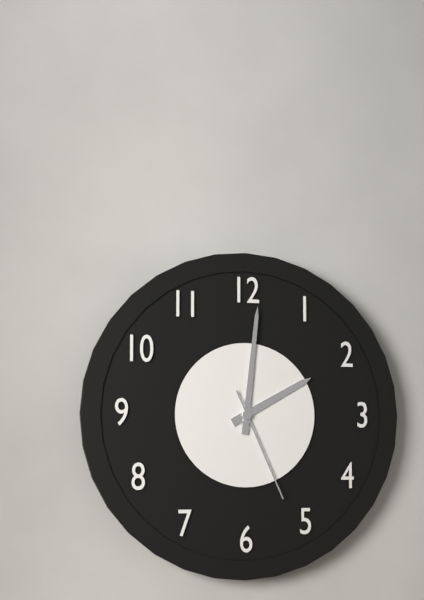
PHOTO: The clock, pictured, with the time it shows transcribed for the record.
2:01:26
